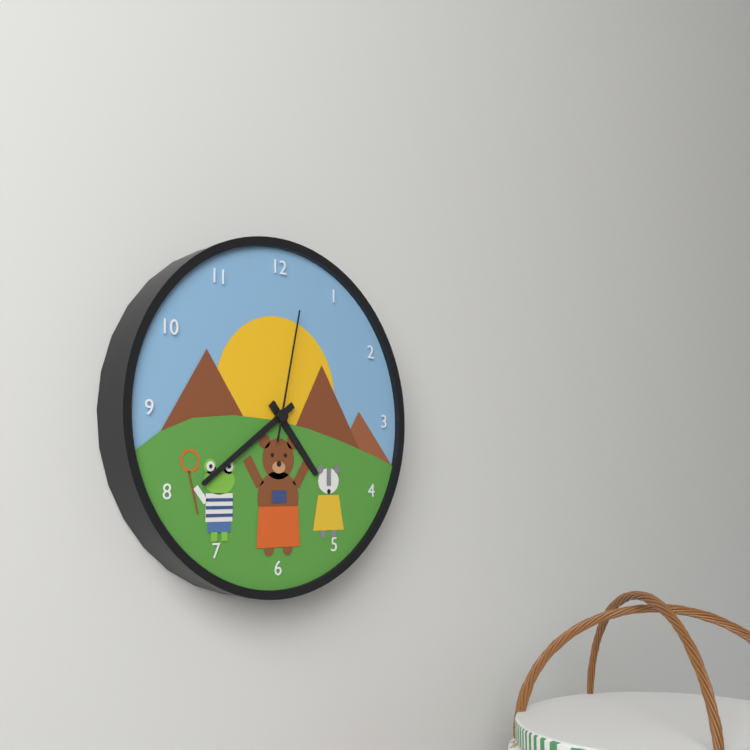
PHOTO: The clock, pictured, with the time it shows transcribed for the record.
4:39:02
